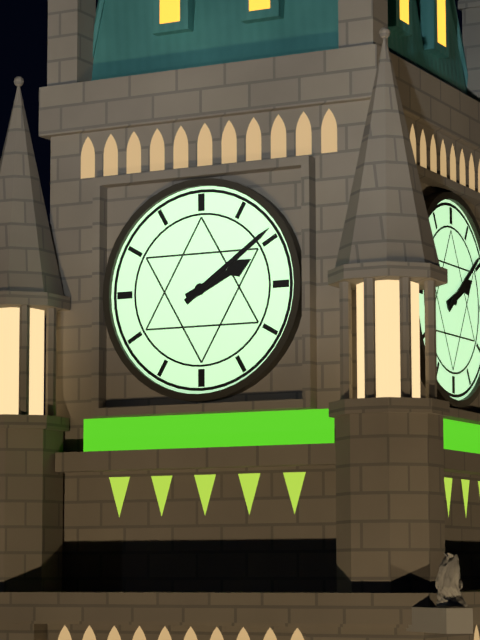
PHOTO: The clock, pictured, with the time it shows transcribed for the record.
2:09
